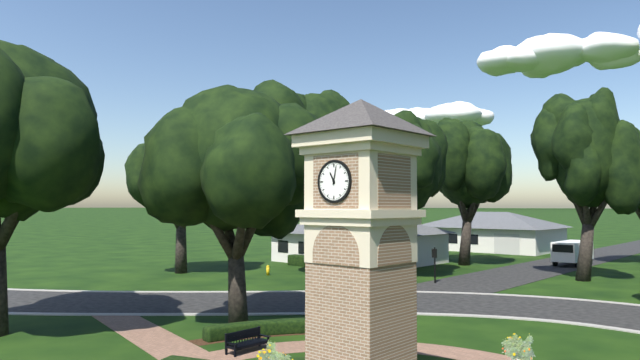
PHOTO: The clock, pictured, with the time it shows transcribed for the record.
11:02
